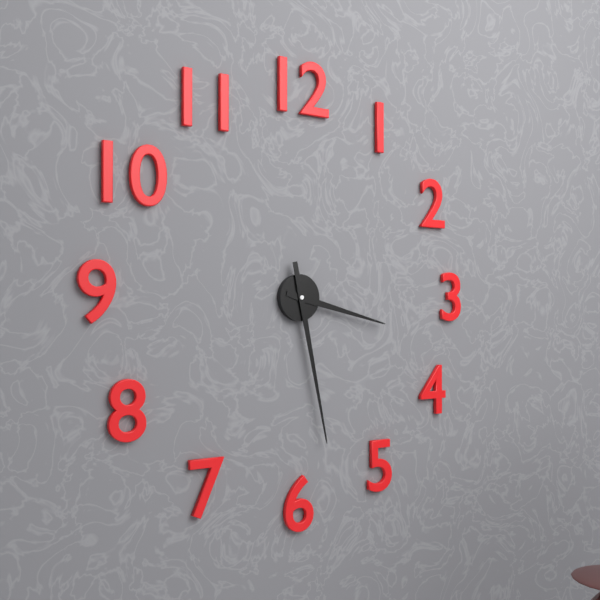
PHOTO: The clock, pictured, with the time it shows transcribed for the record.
3:28
